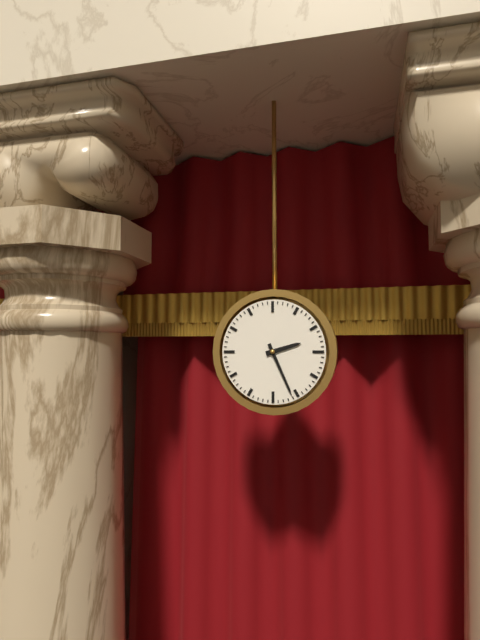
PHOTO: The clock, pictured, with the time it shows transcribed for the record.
2:26
